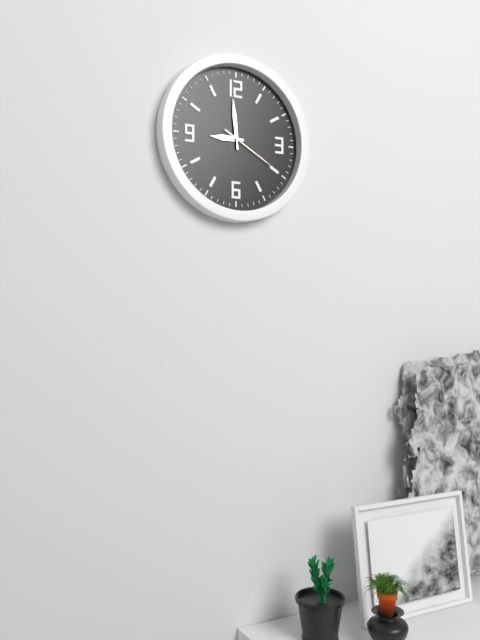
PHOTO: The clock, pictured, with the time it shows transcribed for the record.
8:59:20
